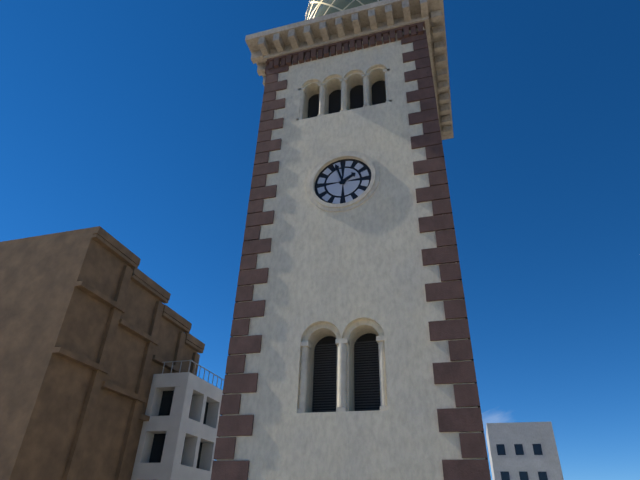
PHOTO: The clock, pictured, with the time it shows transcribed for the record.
1:57
